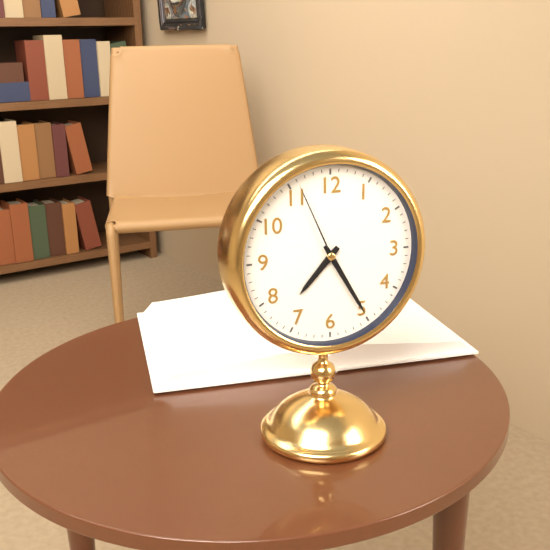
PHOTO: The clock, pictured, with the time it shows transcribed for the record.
7:25:56
